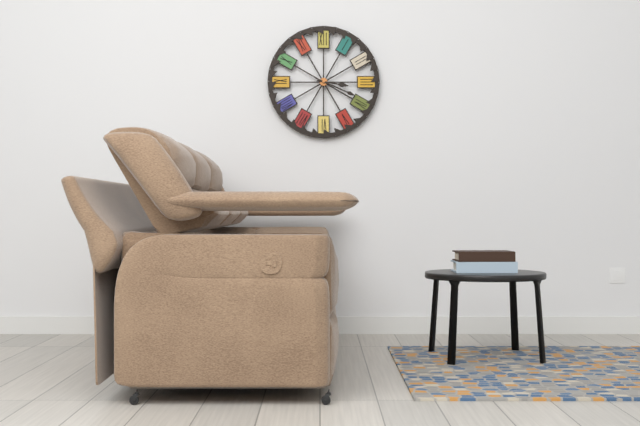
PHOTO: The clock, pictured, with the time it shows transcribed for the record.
3:19
